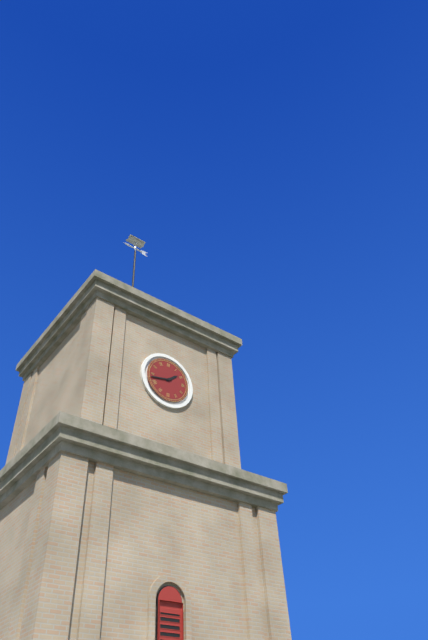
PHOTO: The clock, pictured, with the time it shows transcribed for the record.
1:43
